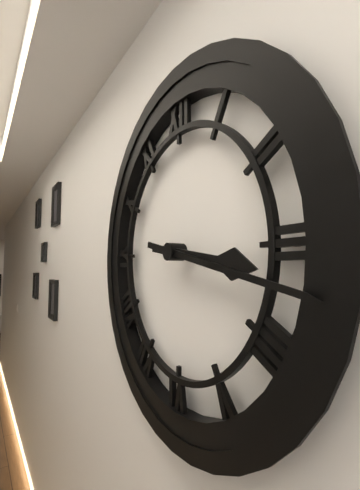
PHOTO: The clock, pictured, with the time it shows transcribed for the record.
3:17
